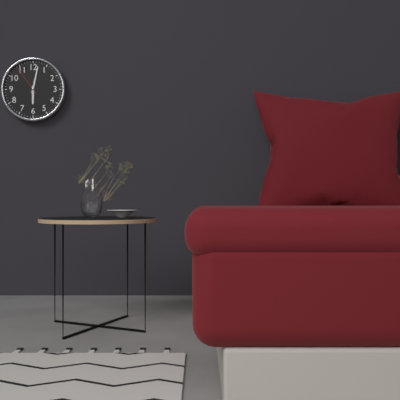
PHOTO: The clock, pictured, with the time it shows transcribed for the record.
6:02
